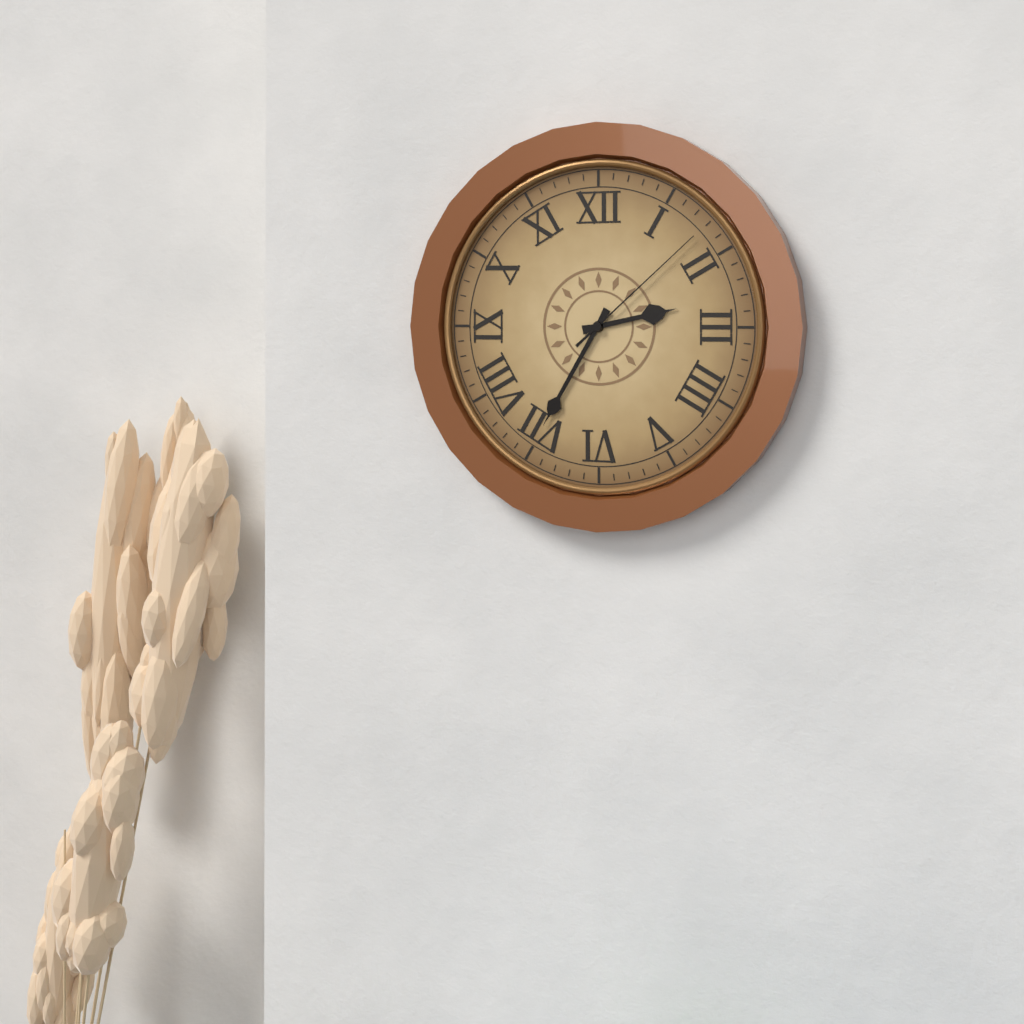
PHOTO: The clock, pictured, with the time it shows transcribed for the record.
2:35:08
